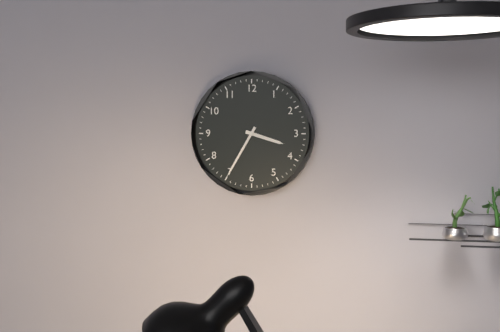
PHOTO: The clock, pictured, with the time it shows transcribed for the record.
3:35
